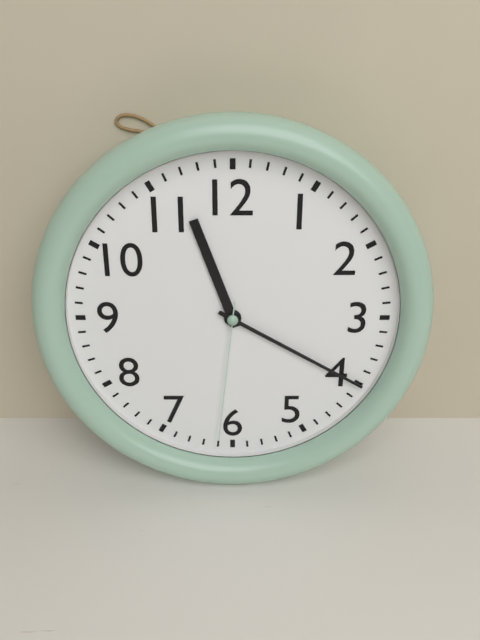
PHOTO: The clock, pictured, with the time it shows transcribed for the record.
11:20:31
